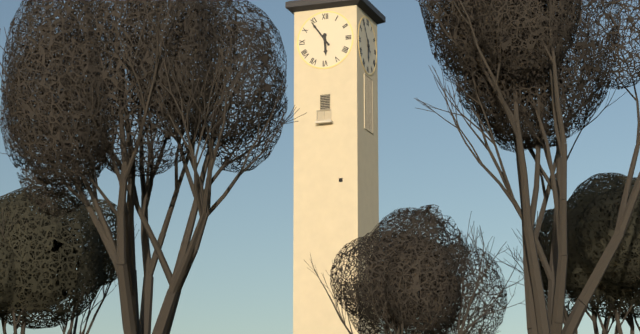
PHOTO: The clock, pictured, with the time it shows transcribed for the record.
5:54
